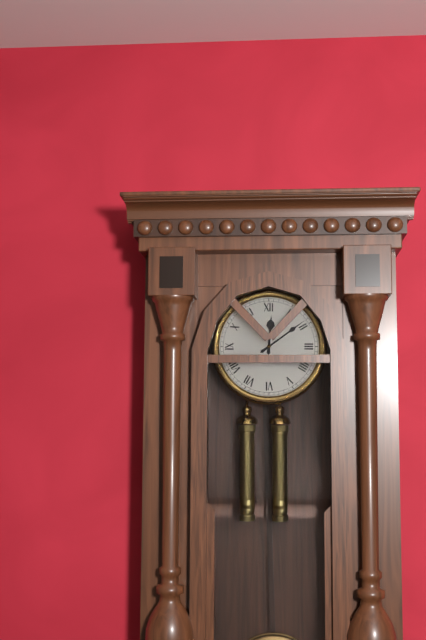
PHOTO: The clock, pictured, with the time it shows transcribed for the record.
12:09
